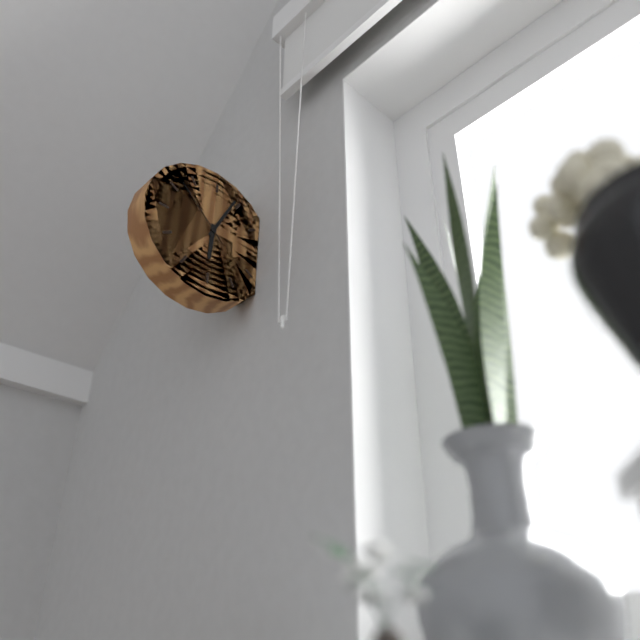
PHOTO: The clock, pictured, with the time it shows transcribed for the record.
6:04:52
